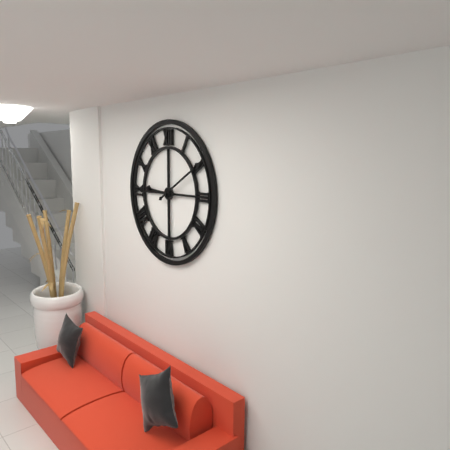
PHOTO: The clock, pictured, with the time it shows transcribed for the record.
9:10
